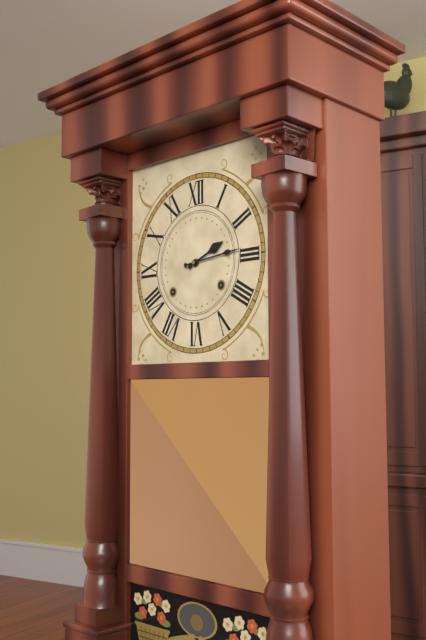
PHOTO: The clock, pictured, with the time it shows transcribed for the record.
2:14
